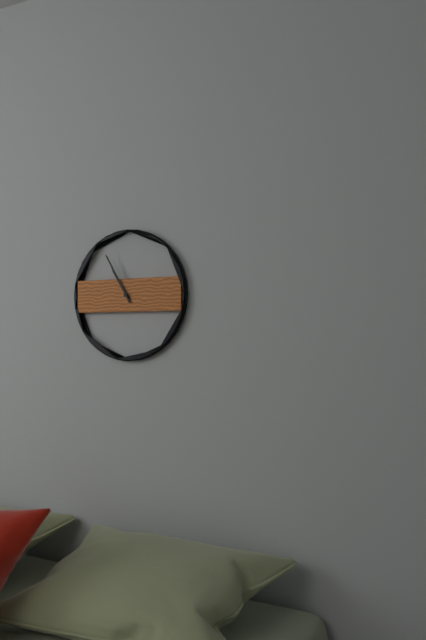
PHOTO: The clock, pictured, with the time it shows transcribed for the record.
10:55
